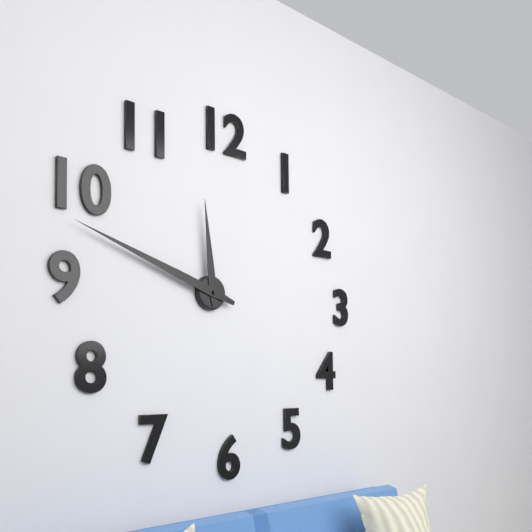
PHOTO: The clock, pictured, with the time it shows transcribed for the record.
11:48
